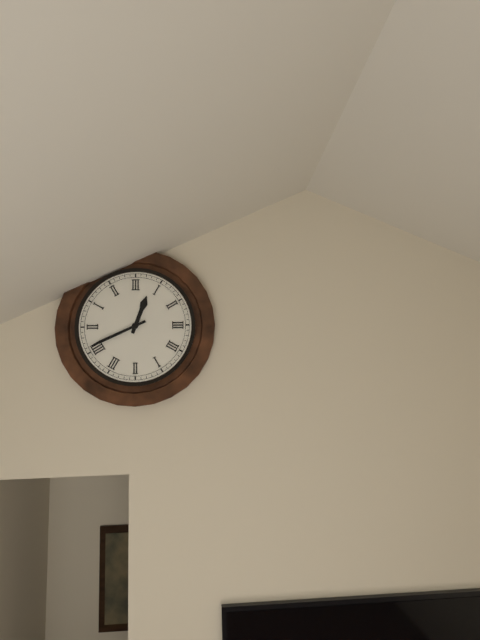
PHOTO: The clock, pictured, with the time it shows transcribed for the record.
12:41
